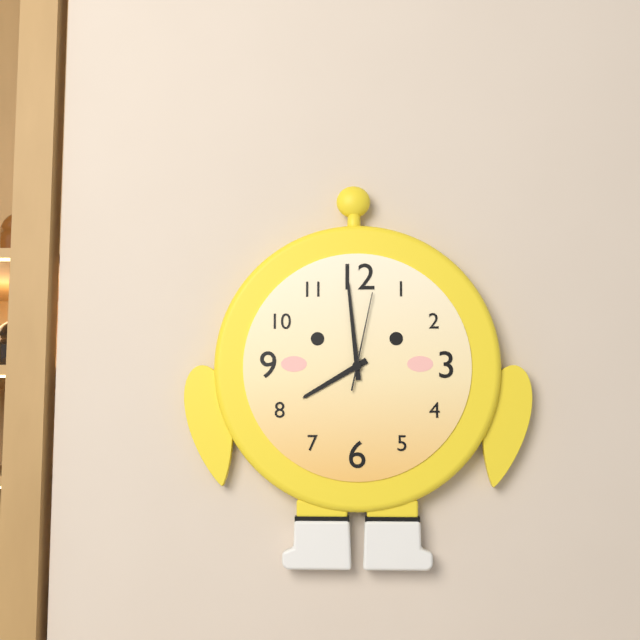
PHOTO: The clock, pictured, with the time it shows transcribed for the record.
7:59:02
